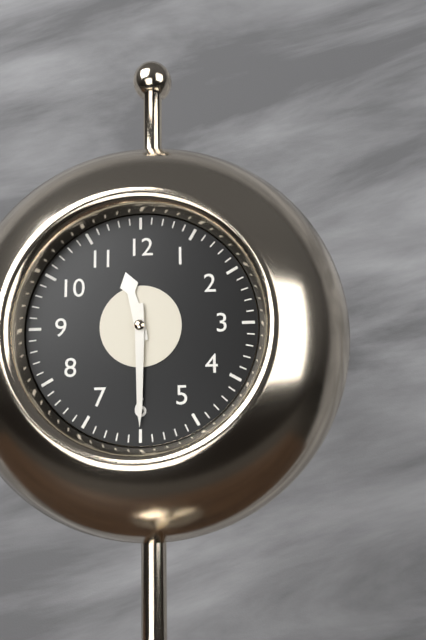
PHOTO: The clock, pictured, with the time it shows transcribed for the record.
11:30
